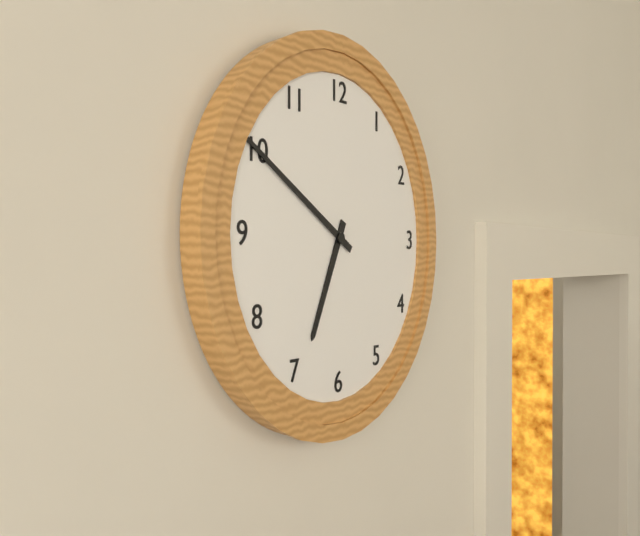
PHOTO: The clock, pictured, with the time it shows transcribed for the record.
6:50
